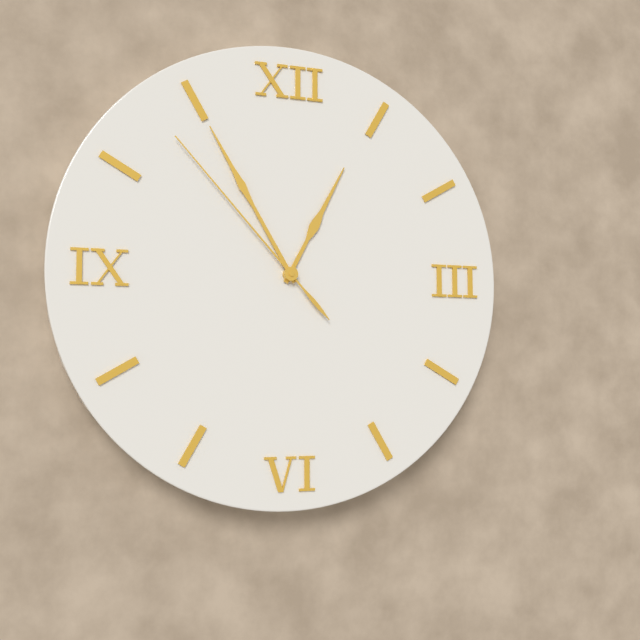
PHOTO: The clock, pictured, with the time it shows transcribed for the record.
12:55:53
